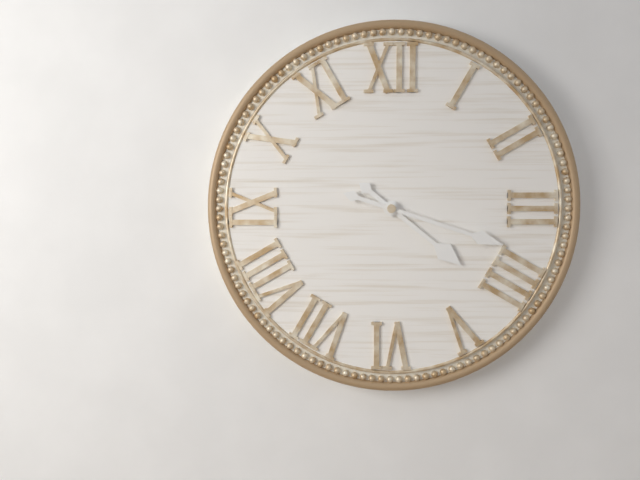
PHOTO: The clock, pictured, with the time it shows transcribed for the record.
4:18
